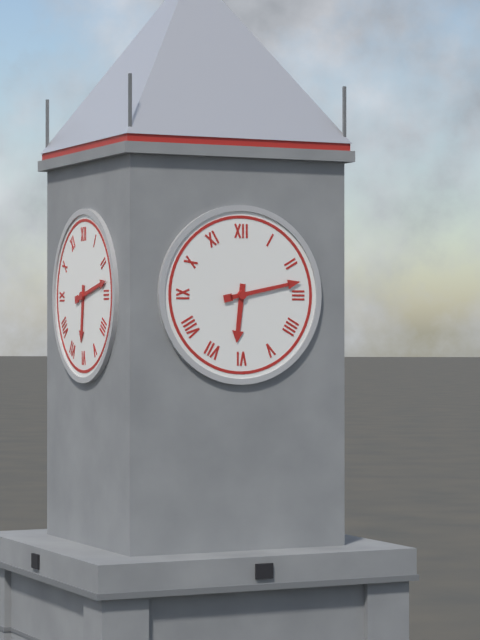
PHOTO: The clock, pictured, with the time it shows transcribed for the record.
6:13
